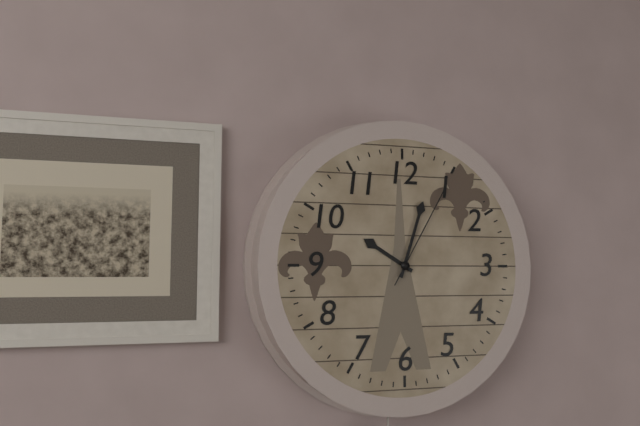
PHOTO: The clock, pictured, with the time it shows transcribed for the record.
10:03:05
